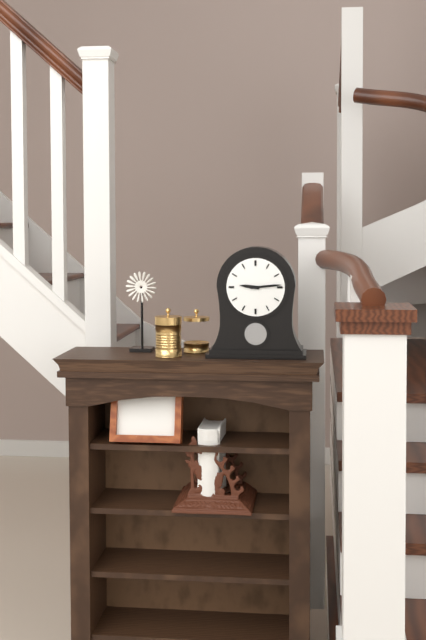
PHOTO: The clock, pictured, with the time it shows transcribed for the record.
9:14
